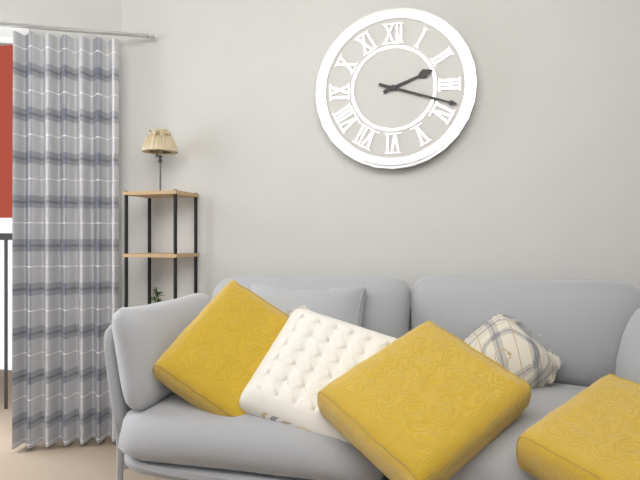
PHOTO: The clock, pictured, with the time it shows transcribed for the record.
2:18
